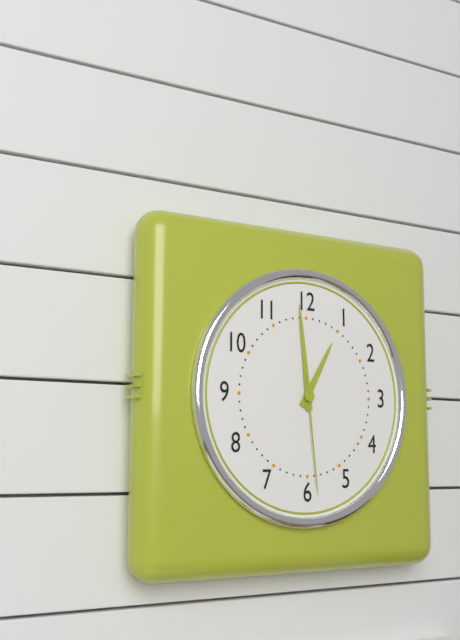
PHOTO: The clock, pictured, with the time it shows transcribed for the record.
12:59:29
